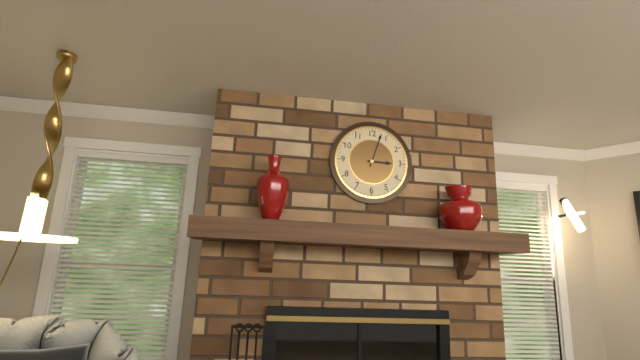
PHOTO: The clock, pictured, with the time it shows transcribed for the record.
3:03
